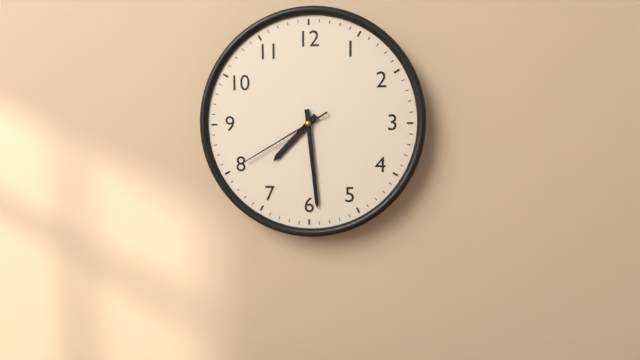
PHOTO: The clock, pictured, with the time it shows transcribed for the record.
7:29:40
